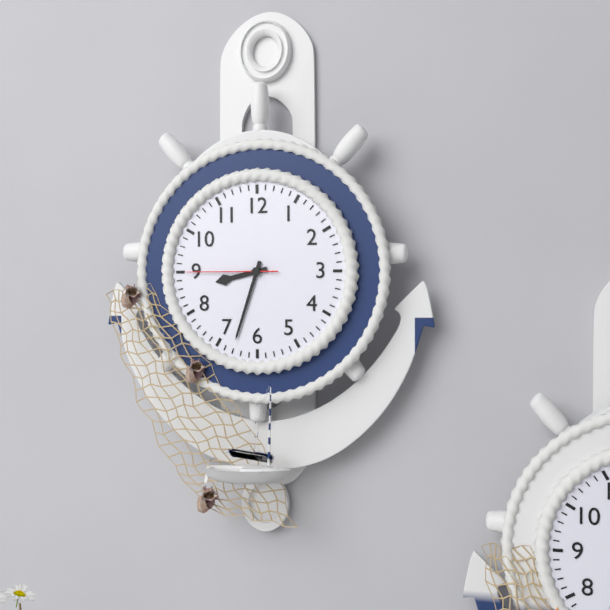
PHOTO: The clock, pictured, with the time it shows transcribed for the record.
8:33:45
